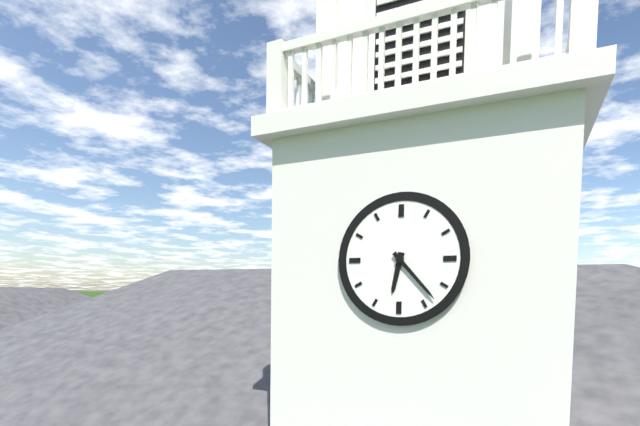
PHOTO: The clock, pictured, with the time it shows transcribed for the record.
6:23
